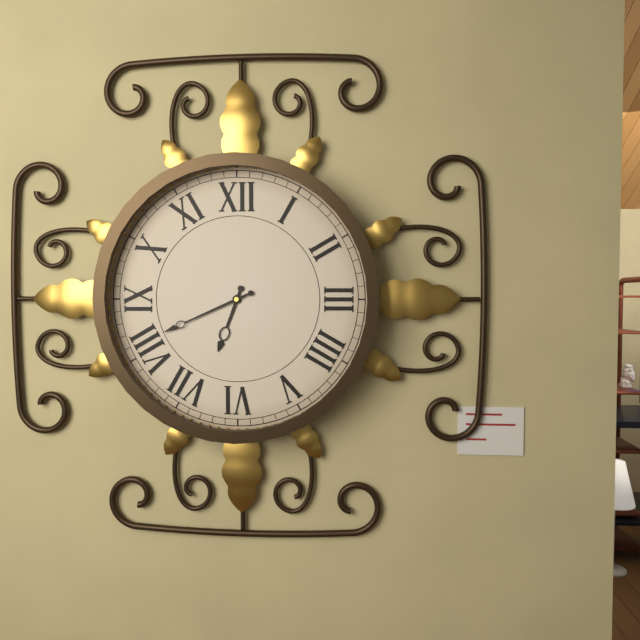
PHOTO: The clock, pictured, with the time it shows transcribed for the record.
6:41
